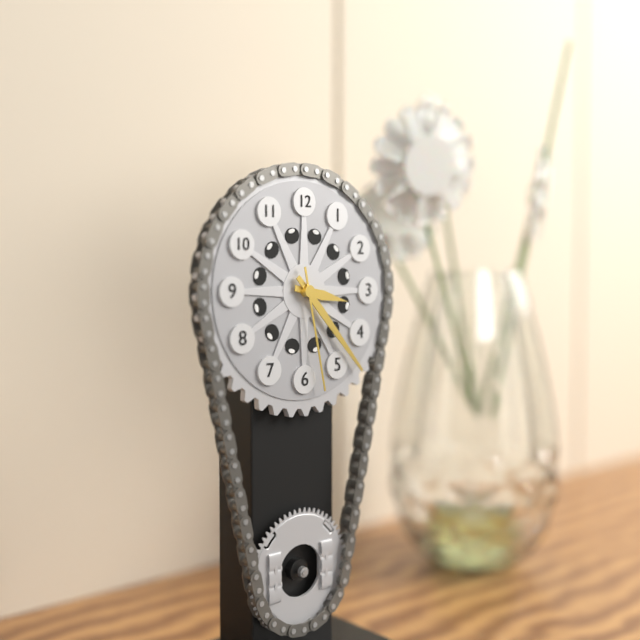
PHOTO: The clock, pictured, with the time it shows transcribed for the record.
3:23:28
